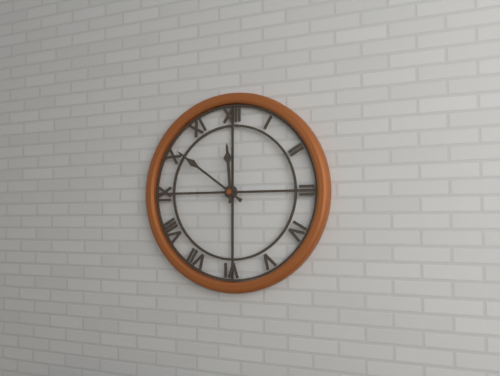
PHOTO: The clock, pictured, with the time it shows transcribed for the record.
11:51
